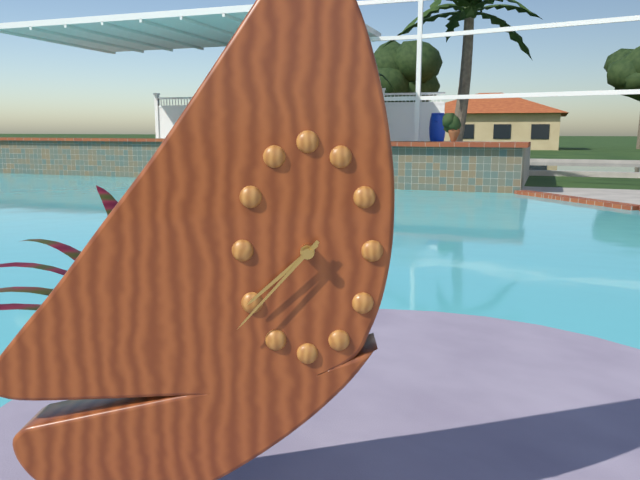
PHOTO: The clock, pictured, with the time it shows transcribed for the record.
7:37
